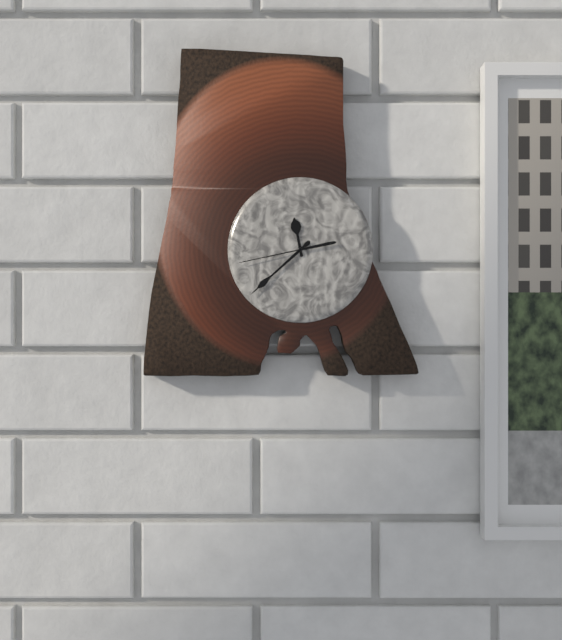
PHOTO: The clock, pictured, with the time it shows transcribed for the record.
11:38:43
